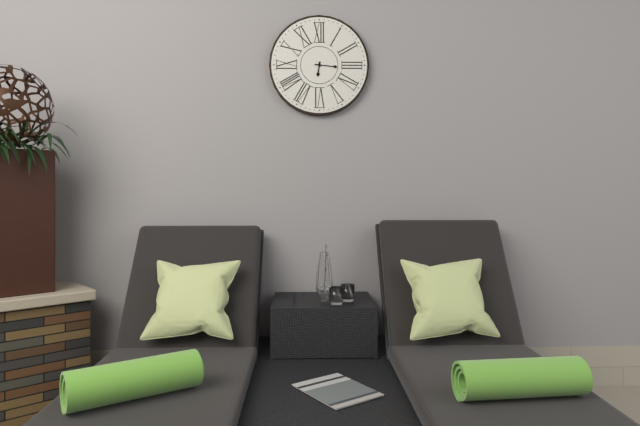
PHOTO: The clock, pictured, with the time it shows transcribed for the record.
6:16
